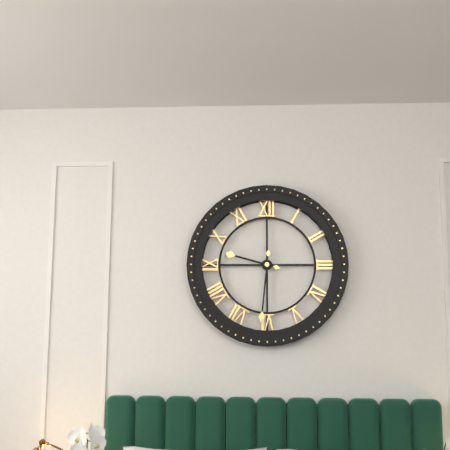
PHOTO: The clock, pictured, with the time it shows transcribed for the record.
9:31
